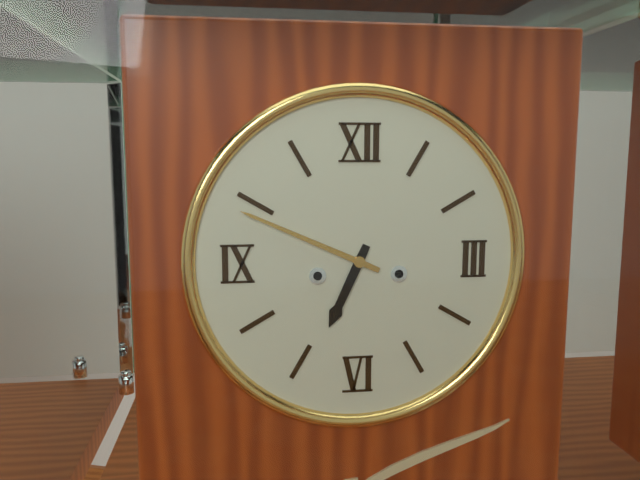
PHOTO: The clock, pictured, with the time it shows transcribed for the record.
6:49
